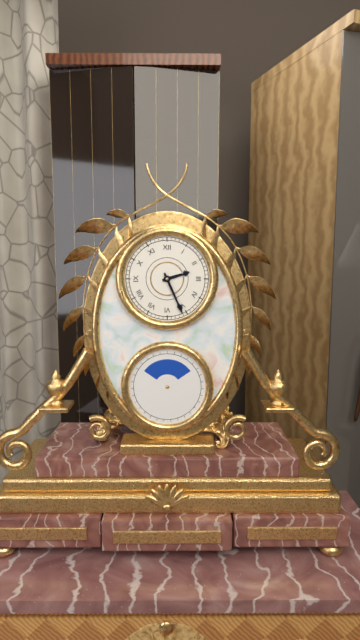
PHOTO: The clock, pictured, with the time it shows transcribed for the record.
2:26
